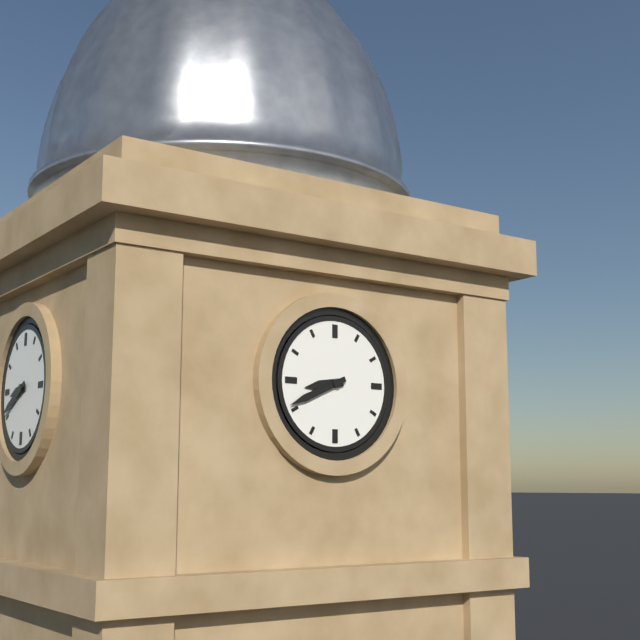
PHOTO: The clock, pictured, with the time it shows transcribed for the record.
8:41
